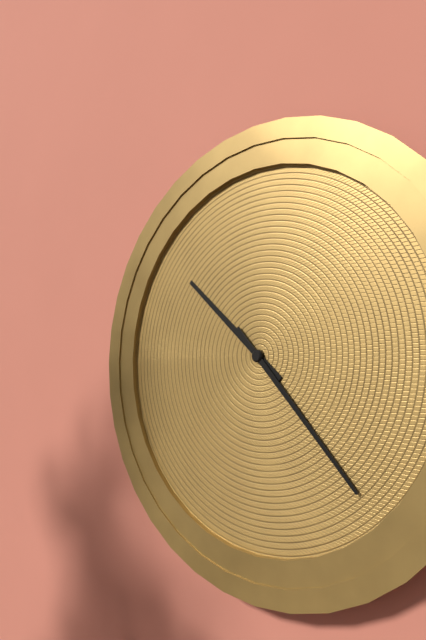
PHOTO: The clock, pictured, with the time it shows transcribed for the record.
10:23
